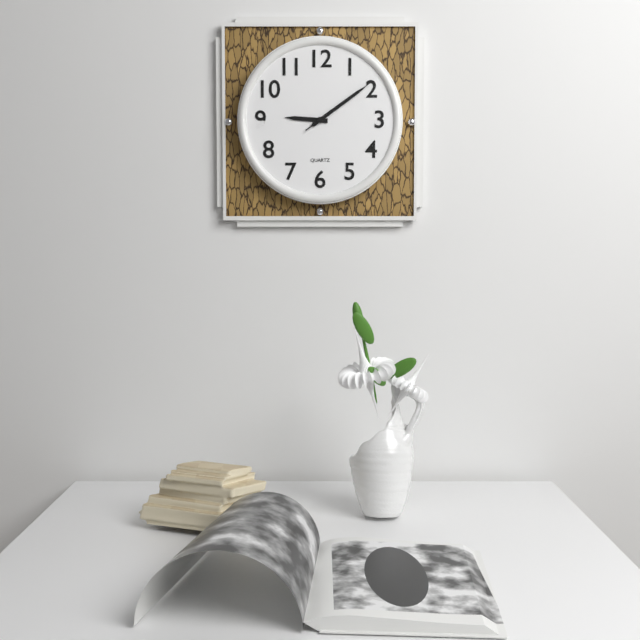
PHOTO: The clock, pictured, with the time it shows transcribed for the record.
9:09:09
